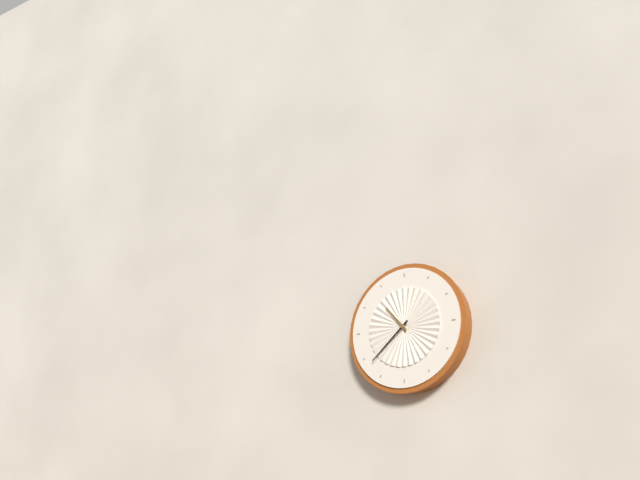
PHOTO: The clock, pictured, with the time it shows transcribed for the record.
10:38
